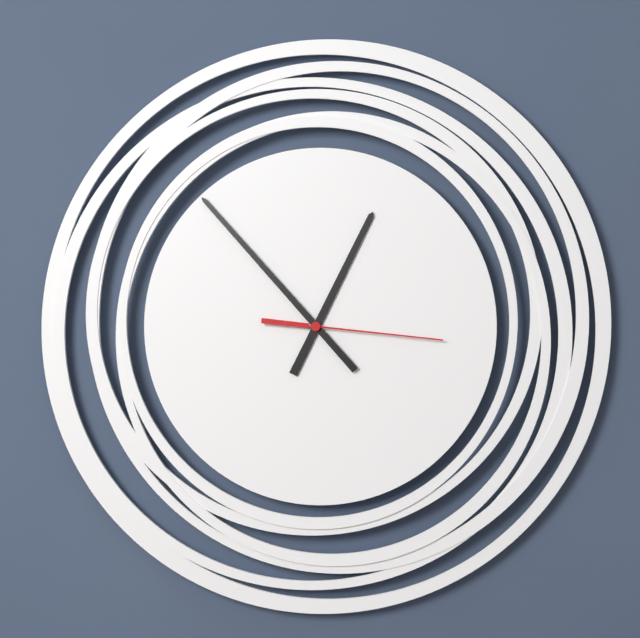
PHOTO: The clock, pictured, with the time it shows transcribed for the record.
12:53:16
